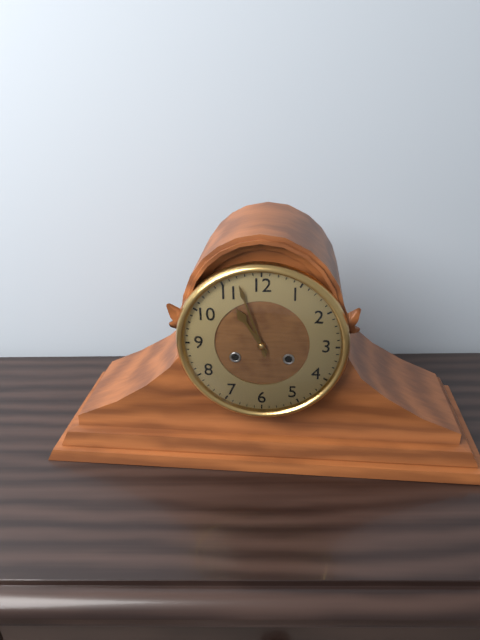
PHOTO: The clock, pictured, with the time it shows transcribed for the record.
10:57
